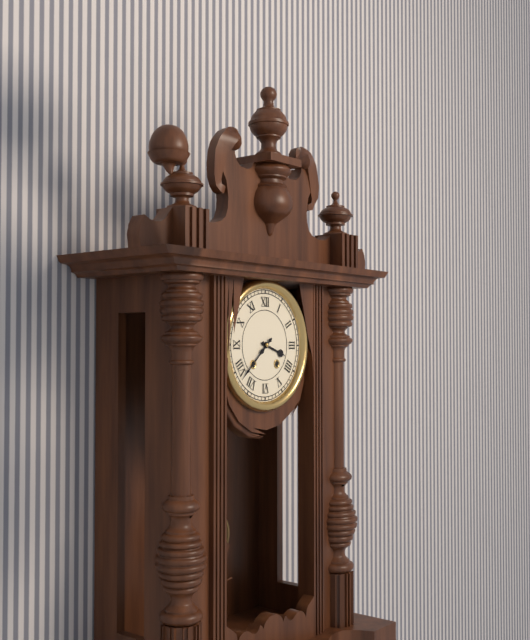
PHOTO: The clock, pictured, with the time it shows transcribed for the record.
3:38
